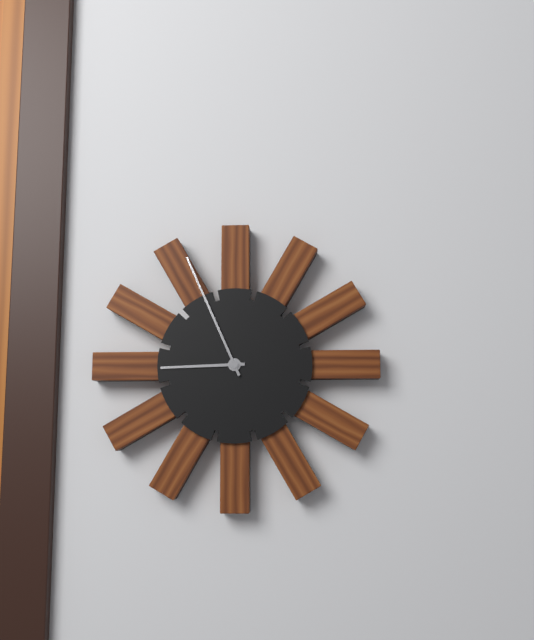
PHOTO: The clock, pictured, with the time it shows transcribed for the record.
8:56
